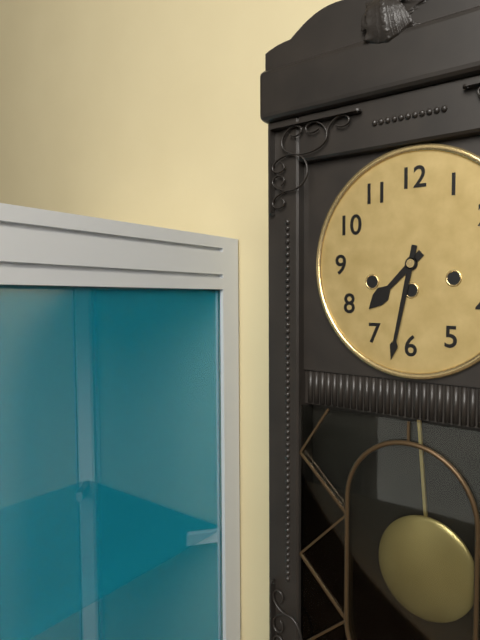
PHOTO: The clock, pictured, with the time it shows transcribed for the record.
7:32
